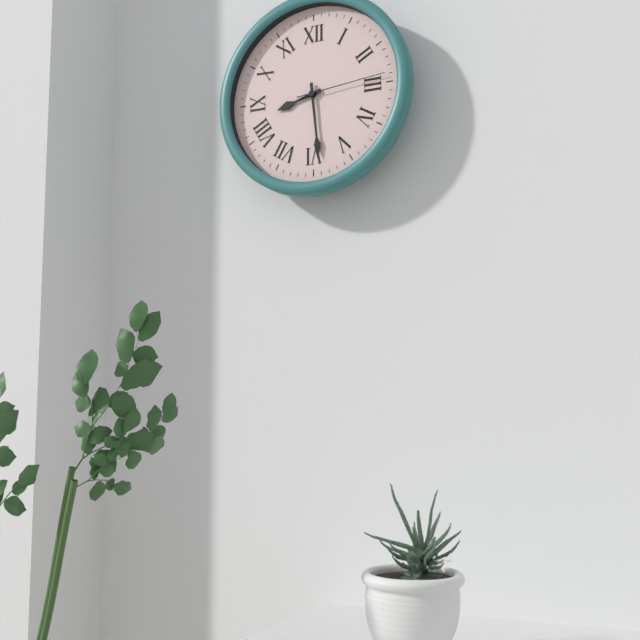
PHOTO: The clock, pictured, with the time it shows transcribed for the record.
8:29:14
